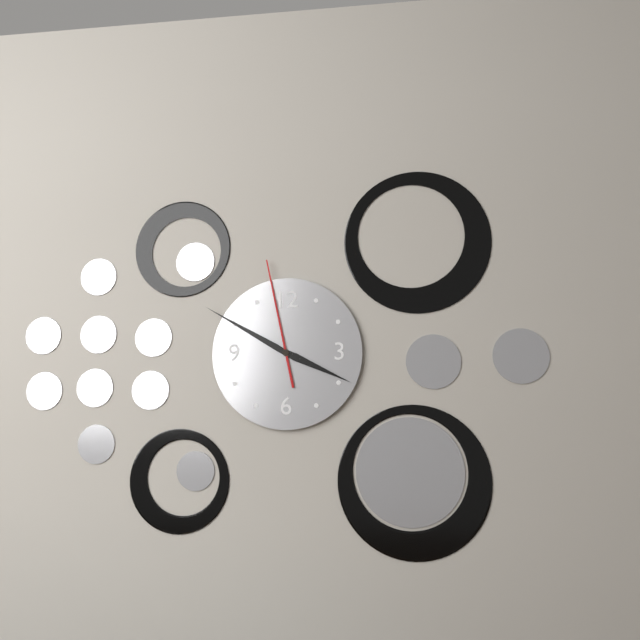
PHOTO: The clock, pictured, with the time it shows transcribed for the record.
3:50:58
